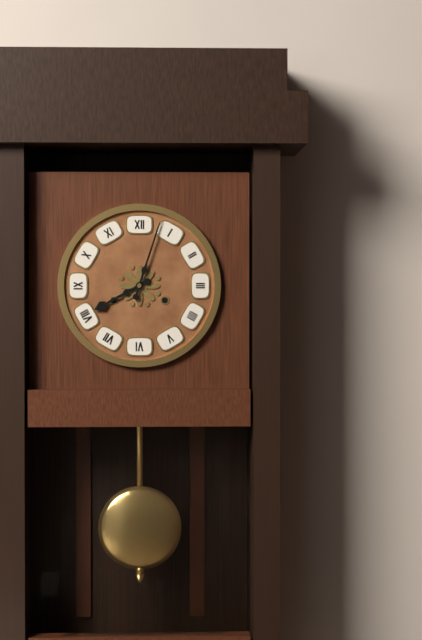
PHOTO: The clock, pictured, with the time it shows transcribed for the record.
8:03
